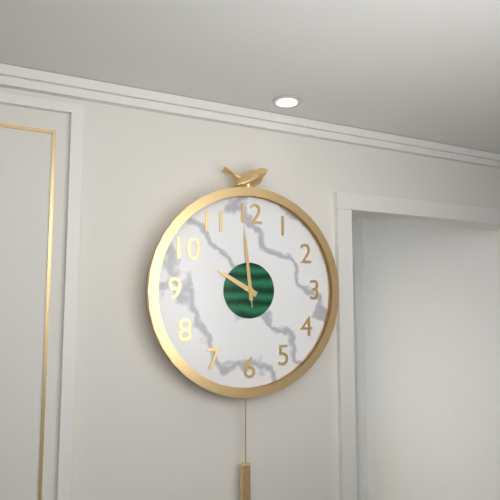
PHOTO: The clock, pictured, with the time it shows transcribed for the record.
9:59:59
